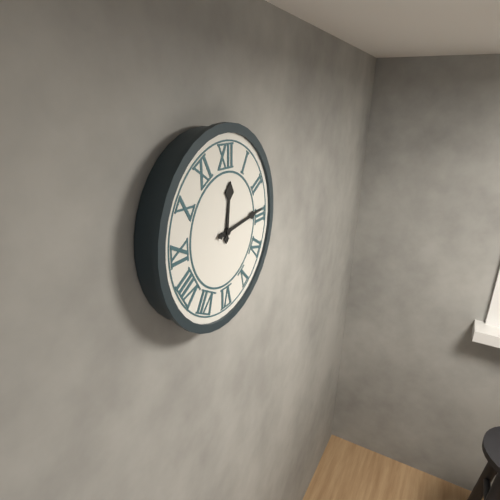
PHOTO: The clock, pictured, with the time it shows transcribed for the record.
12:14
